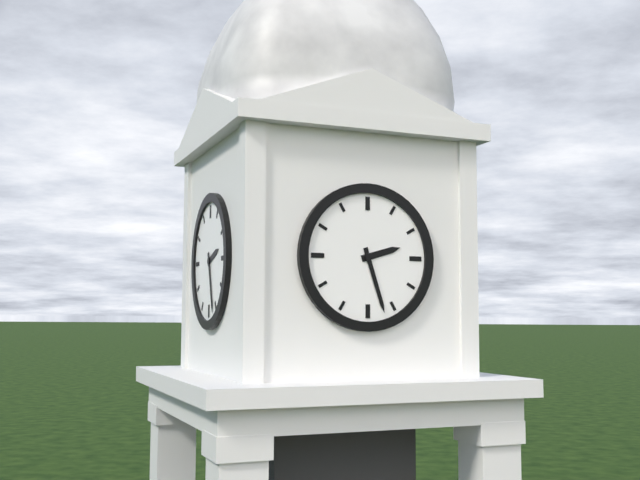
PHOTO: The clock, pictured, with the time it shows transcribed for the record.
2:27
